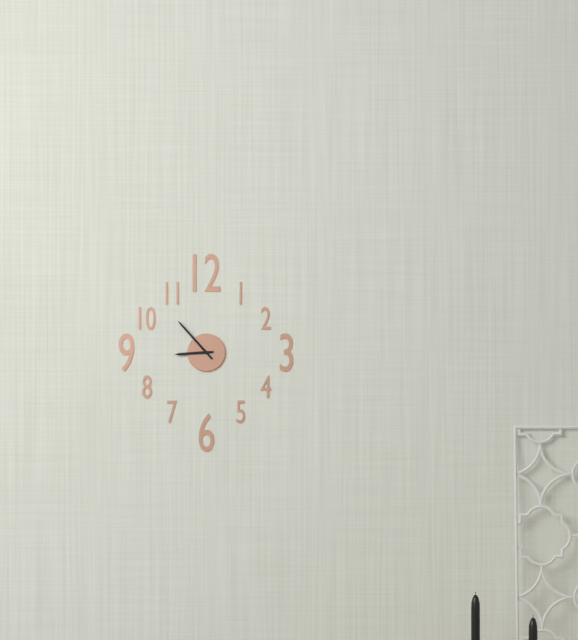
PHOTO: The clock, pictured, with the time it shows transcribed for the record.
8:53
